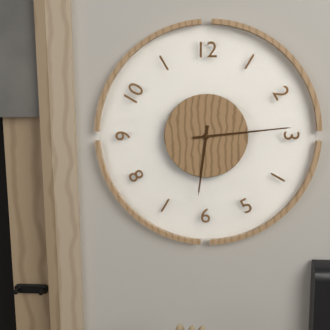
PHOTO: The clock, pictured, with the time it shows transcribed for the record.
6:14
